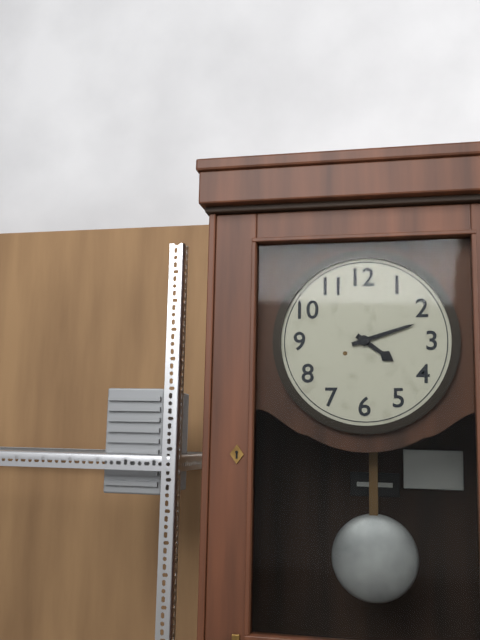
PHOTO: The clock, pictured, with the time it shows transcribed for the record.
4:12
